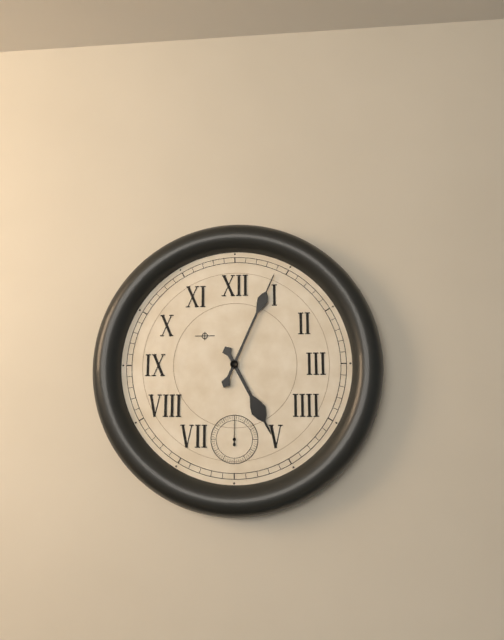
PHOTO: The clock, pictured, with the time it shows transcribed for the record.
5:04
